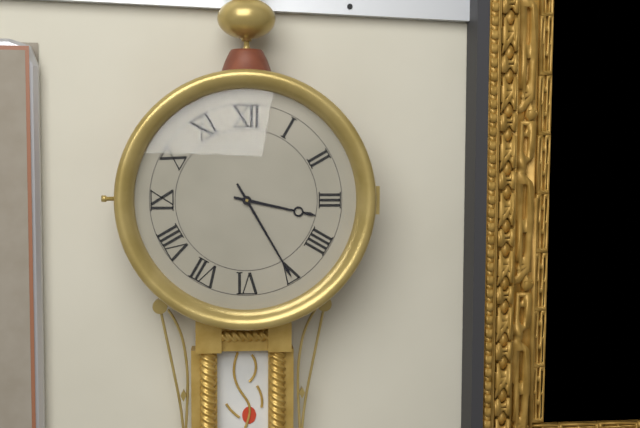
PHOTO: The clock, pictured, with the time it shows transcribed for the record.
3:25
